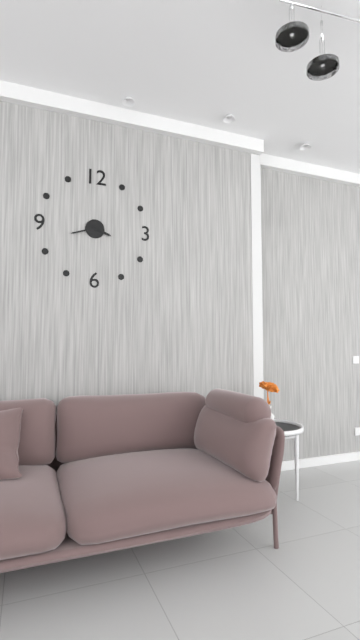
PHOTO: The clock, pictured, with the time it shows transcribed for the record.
3:42
